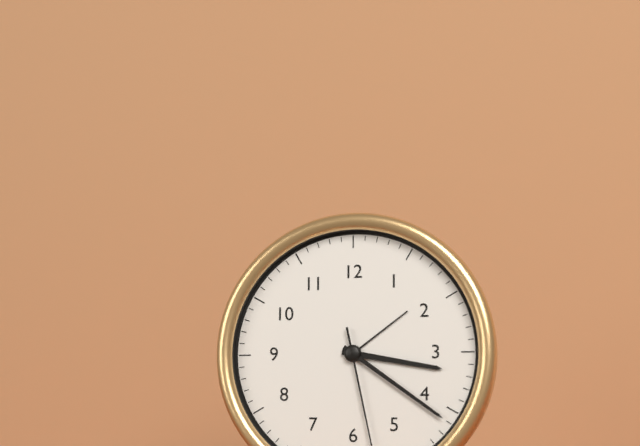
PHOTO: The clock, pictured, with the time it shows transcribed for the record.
3:21
